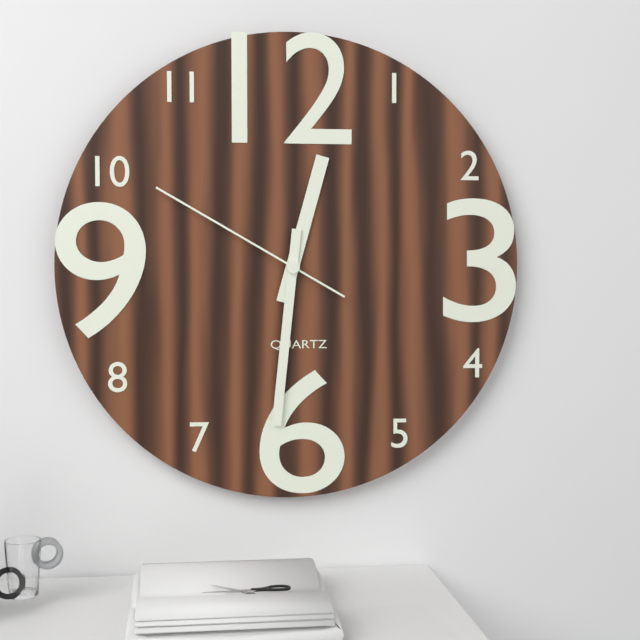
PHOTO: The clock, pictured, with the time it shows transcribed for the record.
12:31:50
